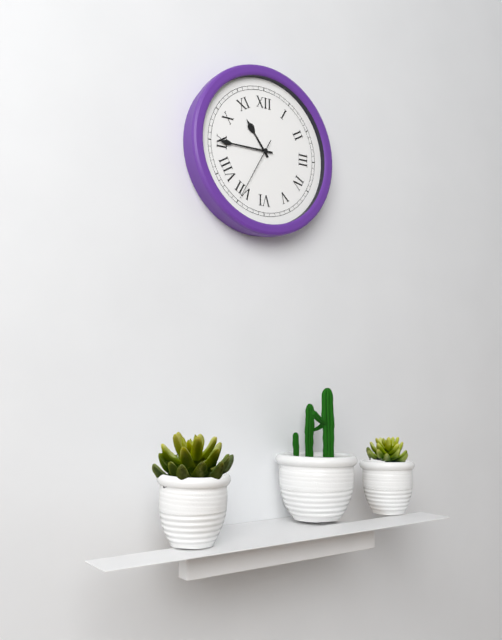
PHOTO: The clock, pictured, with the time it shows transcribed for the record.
10:45:35
